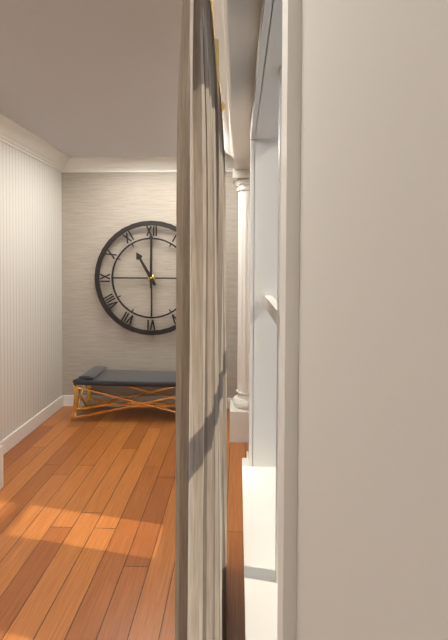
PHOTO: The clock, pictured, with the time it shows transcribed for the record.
11:00
